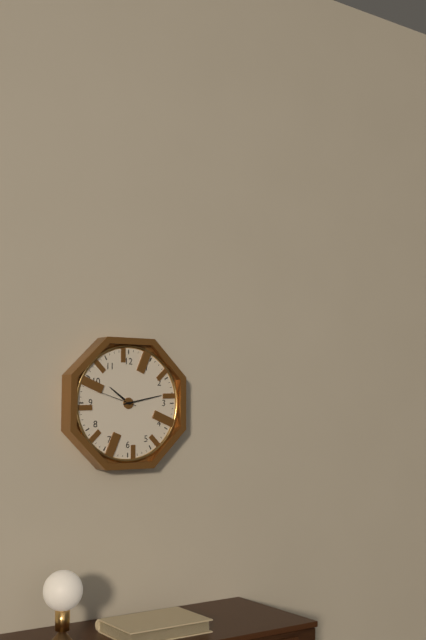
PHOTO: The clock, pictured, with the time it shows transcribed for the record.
10:13
